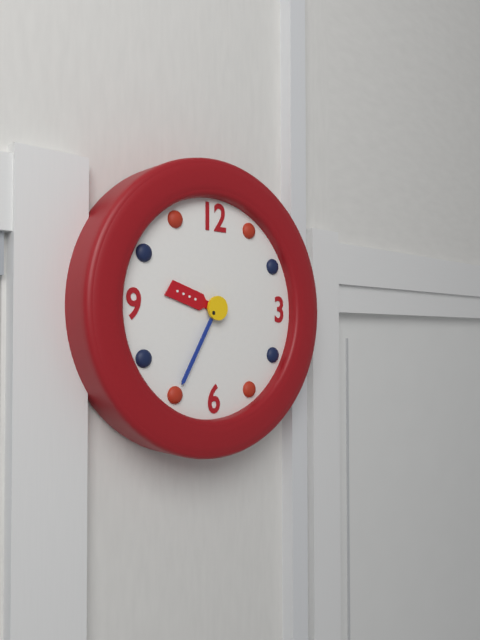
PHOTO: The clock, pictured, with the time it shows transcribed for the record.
9:35
